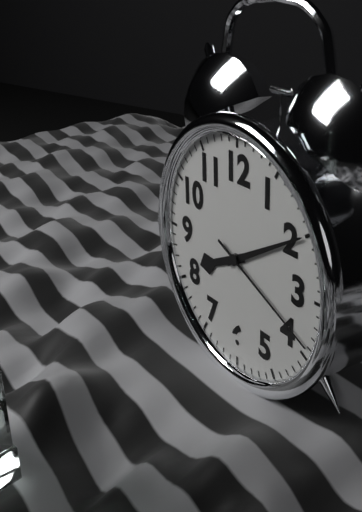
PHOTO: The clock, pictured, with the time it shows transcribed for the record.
8:10:19
